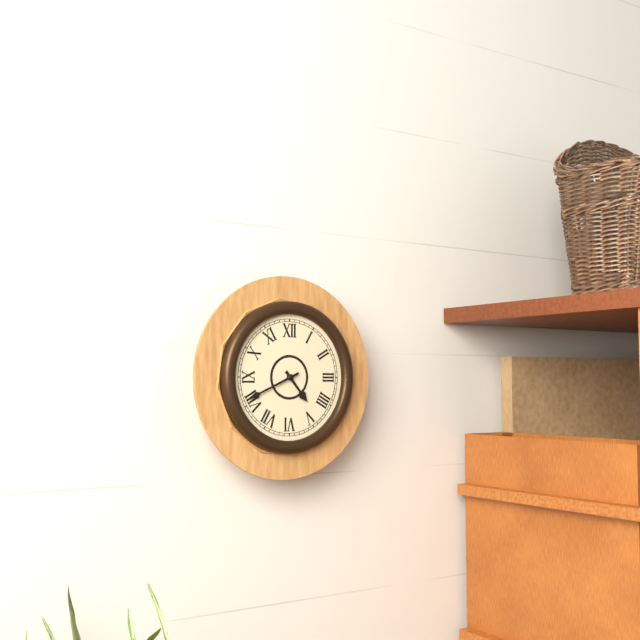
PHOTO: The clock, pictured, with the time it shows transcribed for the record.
4:41
